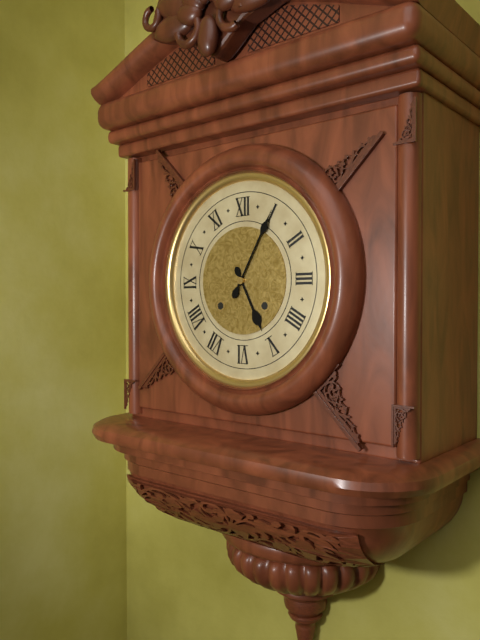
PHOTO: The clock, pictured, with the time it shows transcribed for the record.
5:05
